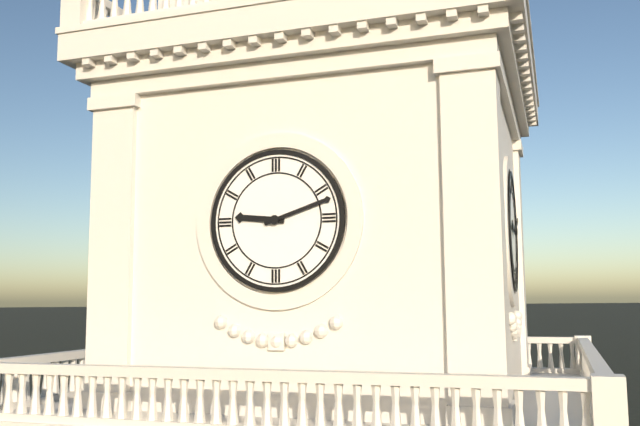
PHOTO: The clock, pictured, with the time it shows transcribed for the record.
9:12
